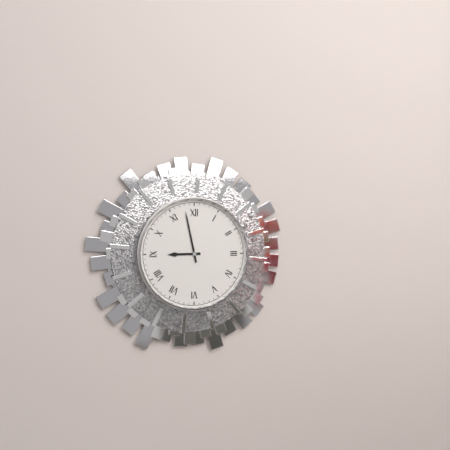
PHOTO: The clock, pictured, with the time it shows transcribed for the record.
8:58
